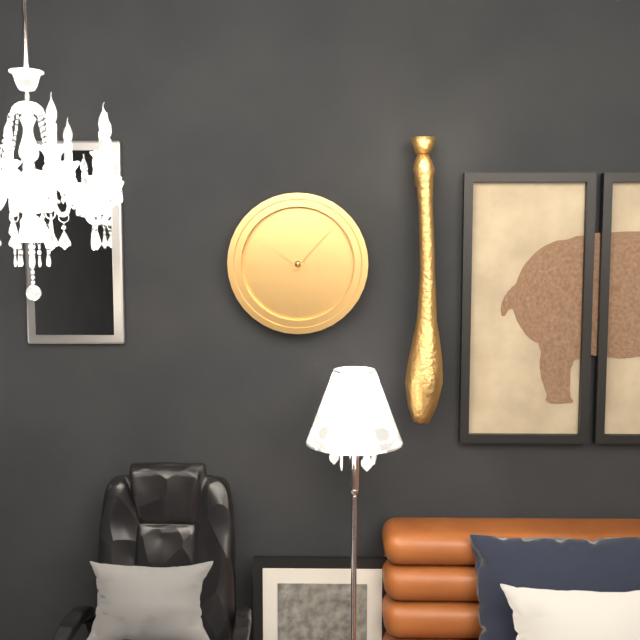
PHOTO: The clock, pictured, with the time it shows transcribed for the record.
10:07
